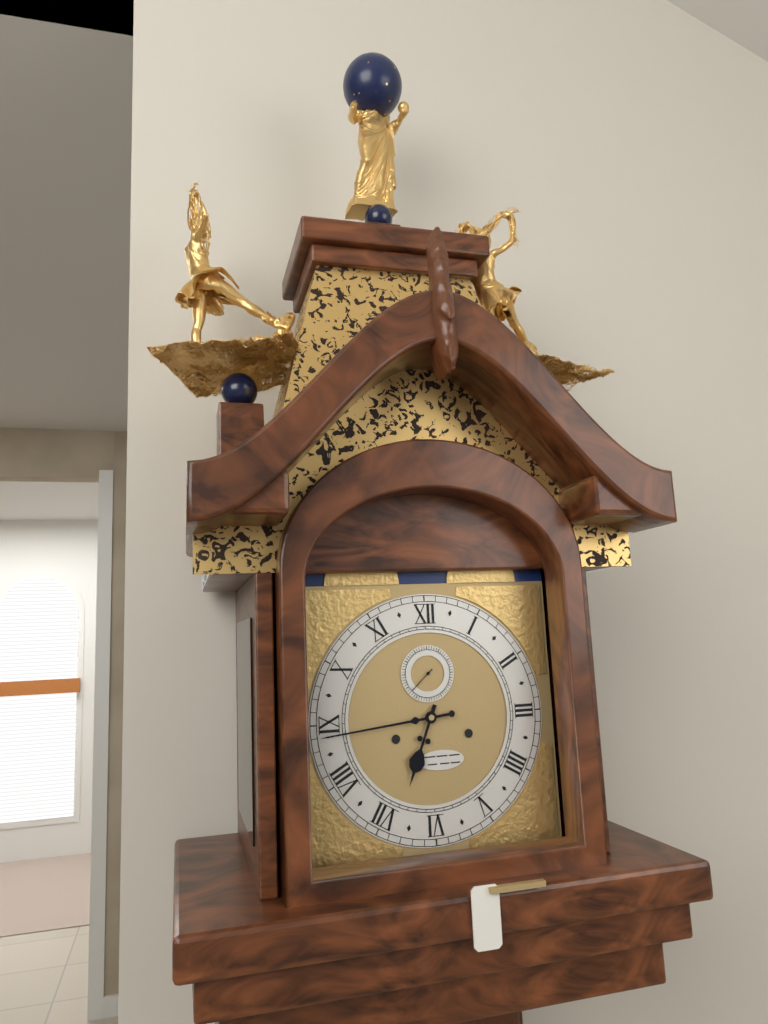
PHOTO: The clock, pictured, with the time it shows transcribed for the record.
6:44
